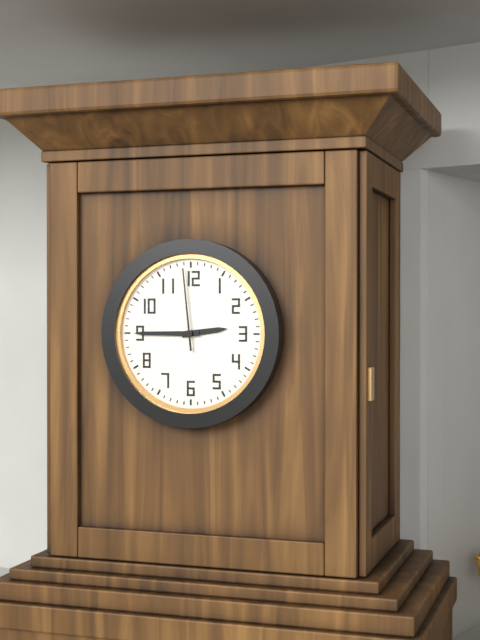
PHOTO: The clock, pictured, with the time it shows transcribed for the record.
2:45:59
